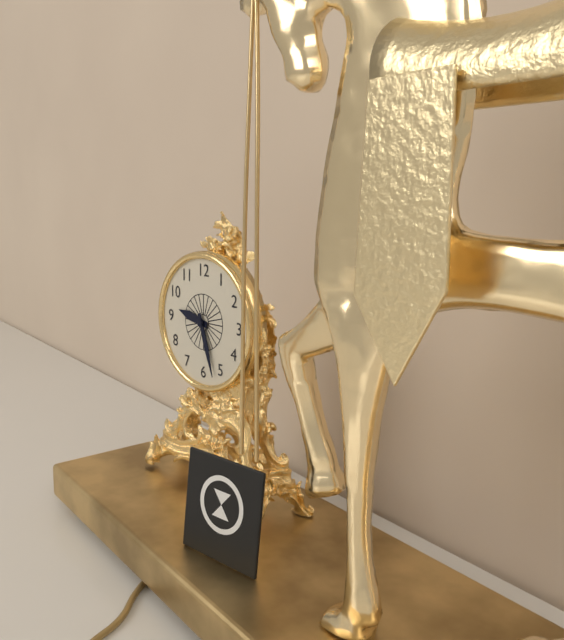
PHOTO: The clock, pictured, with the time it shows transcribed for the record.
9:27
